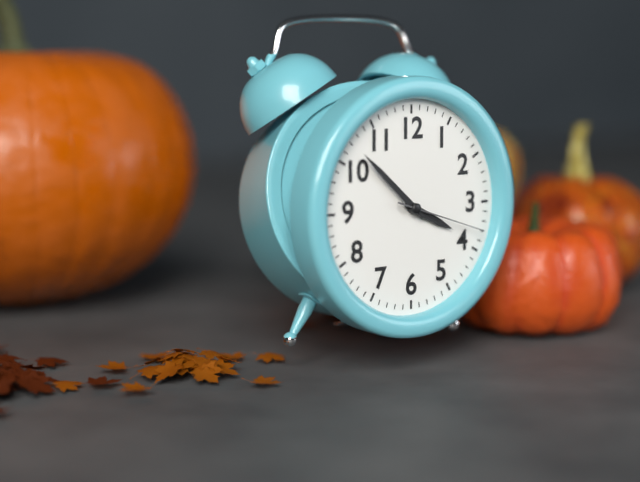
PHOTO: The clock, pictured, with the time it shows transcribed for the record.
3:52:18
